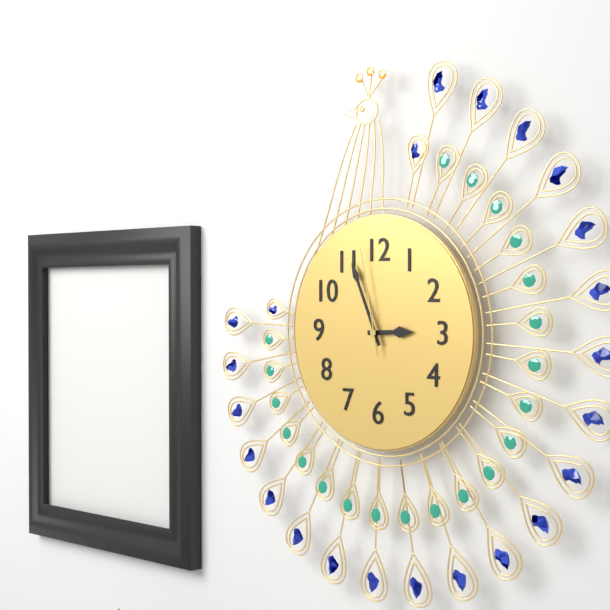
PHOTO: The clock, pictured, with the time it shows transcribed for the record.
2:56:58
